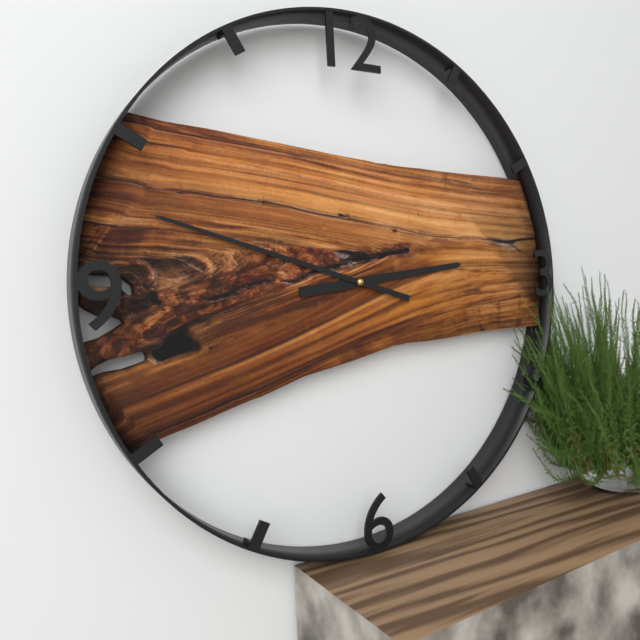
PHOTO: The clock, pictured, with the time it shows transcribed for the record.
2:48
